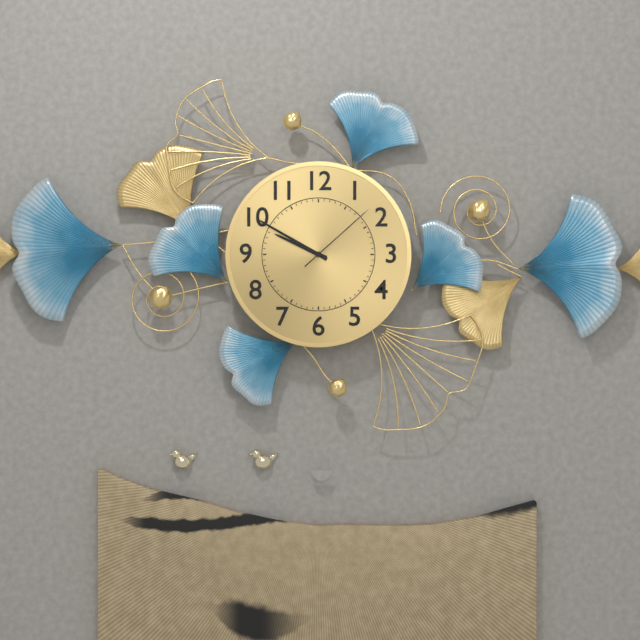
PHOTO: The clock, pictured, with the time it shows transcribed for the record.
9:50:08
